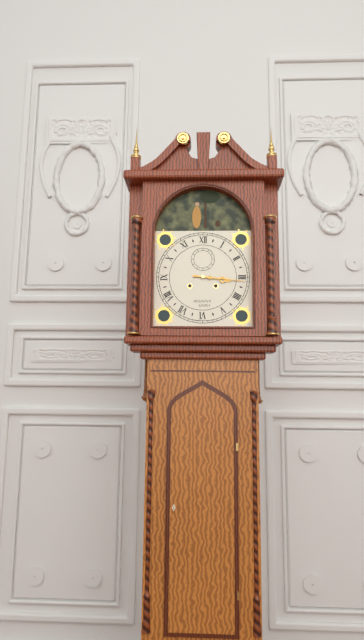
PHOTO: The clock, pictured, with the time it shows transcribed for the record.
3:16
